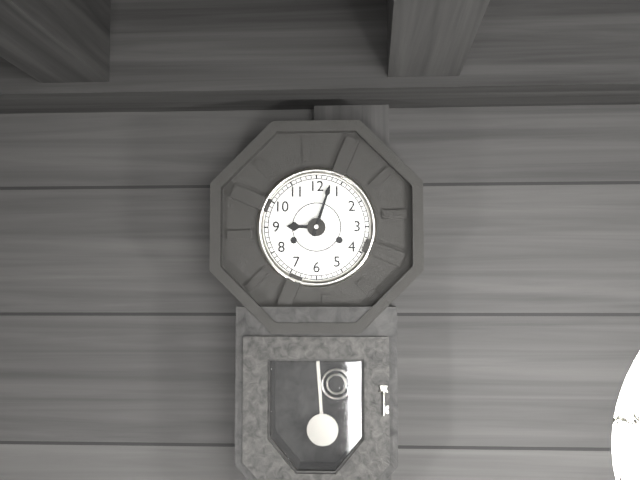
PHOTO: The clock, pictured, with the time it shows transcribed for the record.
9:03
